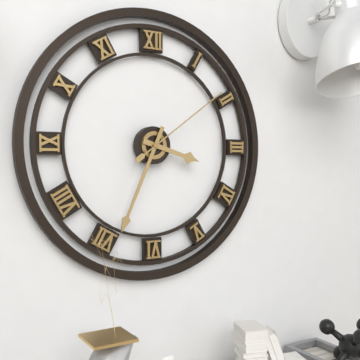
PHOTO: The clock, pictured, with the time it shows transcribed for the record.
3:34:09
